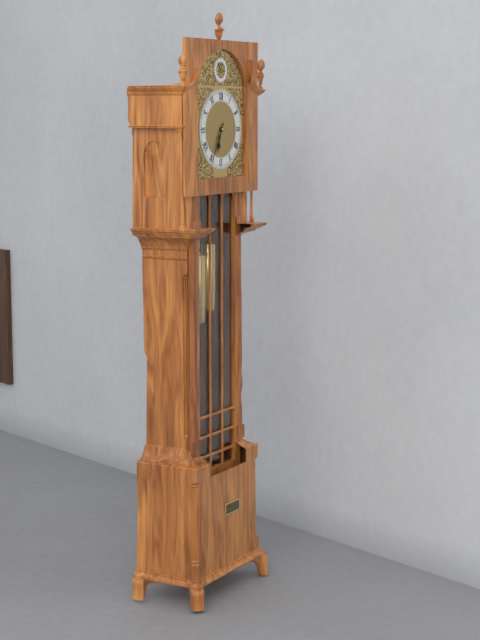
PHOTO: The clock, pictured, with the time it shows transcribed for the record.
6:35
